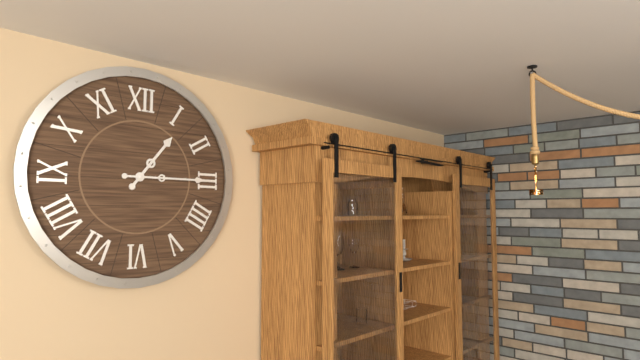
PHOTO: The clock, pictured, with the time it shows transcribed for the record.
1:15
